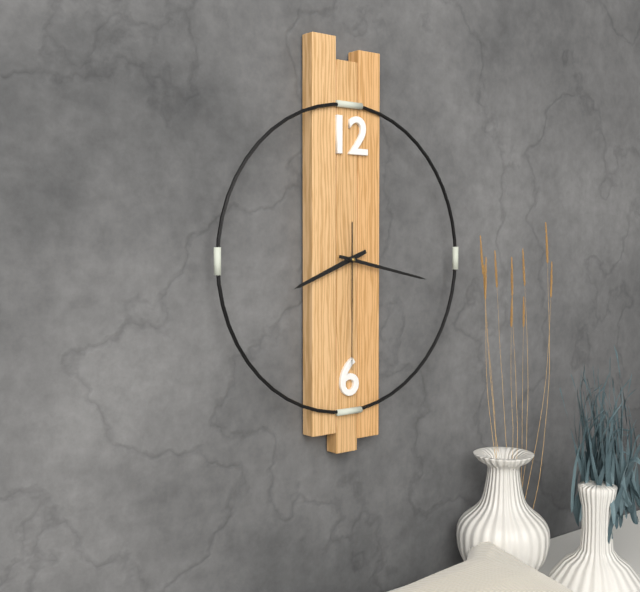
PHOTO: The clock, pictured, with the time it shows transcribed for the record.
8:17:30
